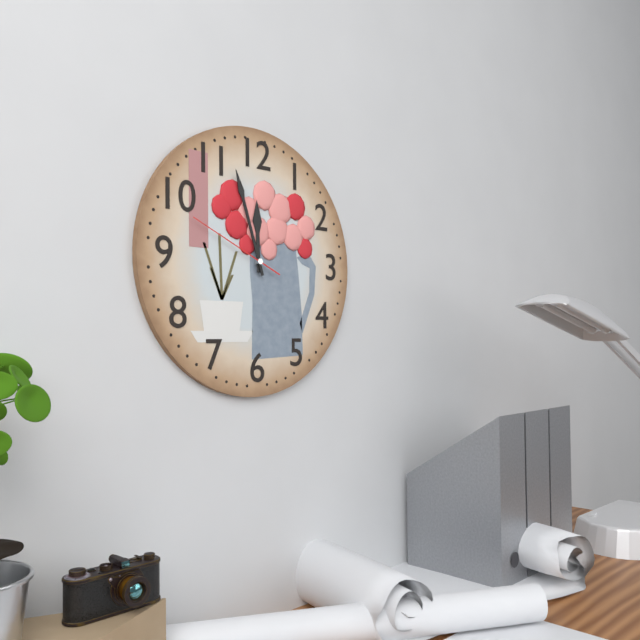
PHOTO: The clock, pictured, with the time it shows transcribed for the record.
11:57:49
